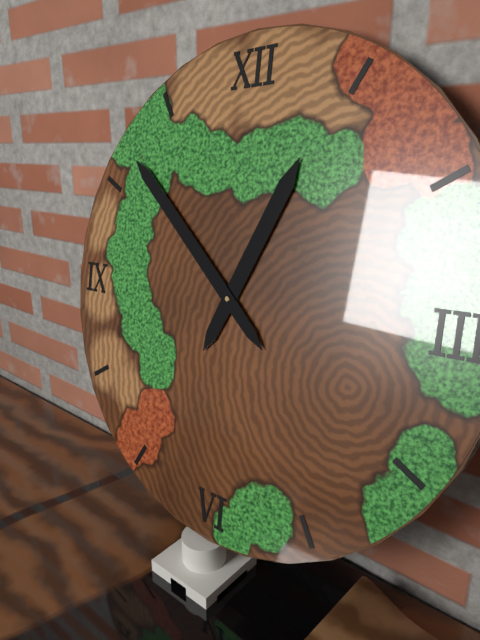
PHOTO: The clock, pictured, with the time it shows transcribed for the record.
12:52
